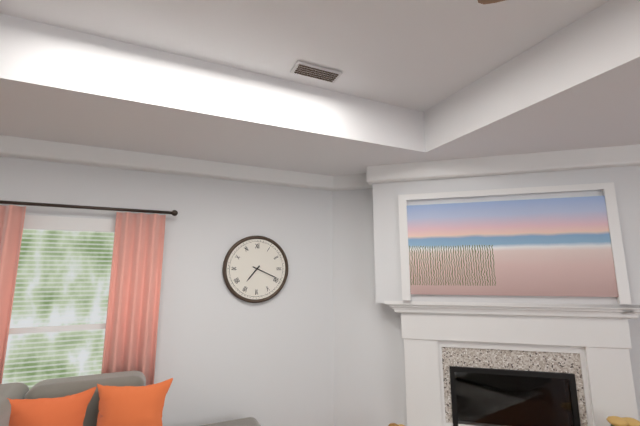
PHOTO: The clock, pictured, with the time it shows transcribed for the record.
7:19
